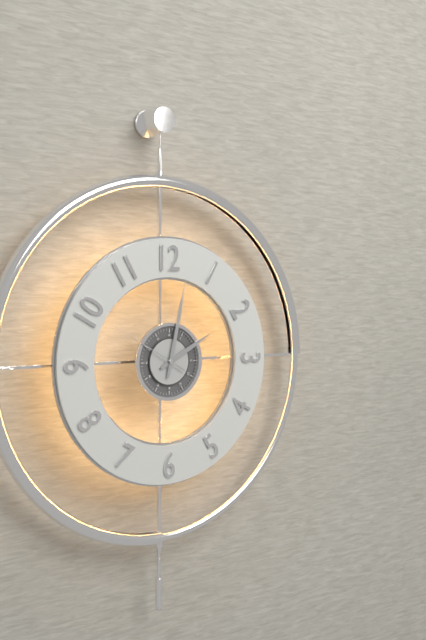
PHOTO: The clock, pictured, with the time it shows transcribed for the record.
2:02:50
